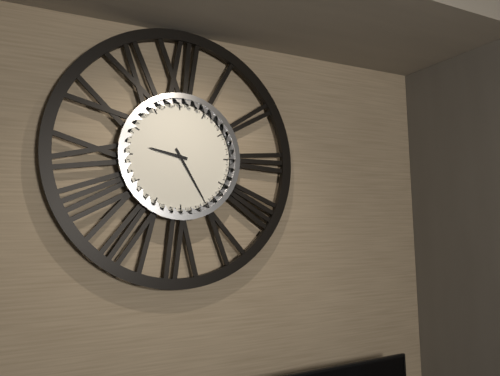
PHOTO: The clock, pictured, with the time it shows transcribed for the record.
9:25
